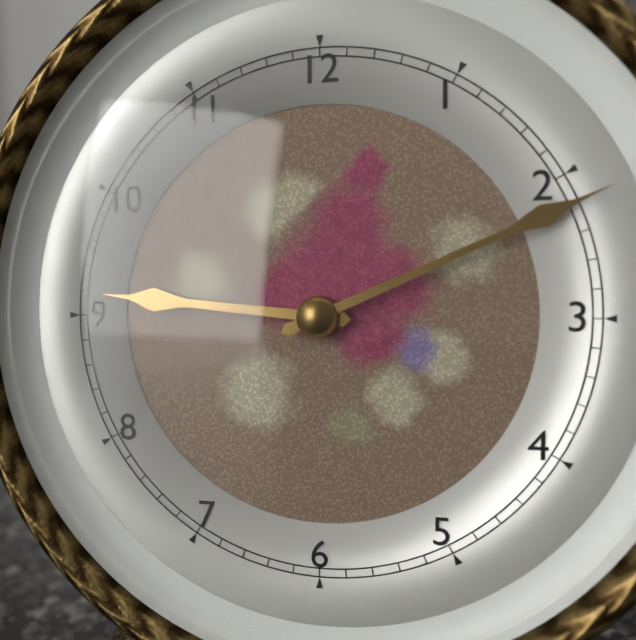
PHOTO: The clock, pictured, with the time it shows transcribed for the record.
9:11
